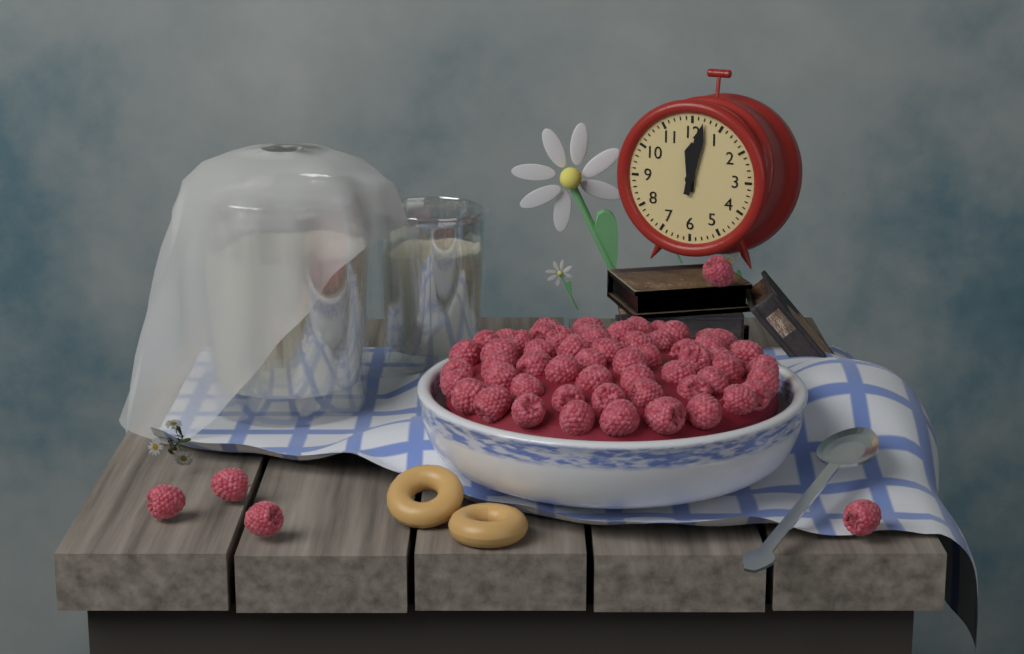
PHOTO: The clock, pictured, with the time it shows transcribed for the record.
12:02
